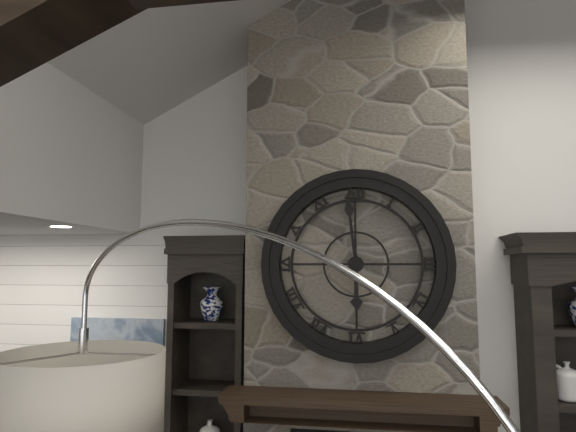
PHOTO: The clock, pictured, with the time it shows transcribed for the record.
5:59
